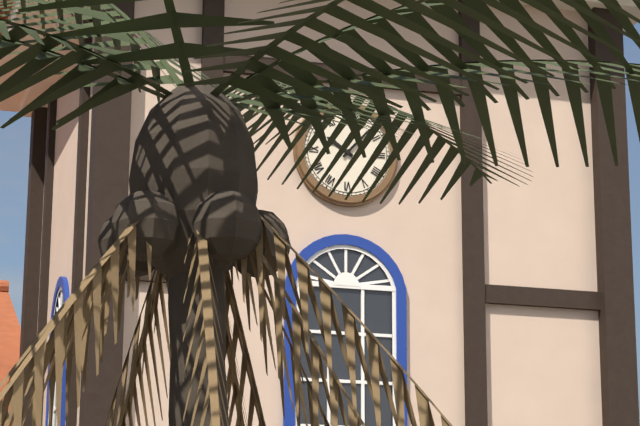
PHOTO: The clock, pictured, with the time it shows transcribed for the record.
10:07
